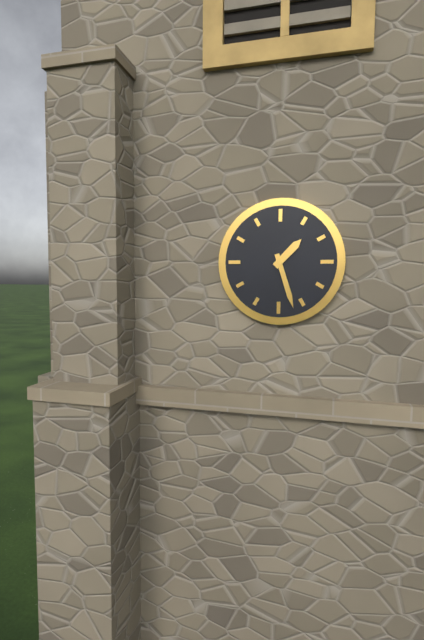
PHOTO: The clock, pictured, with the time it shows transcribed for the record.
1:27
